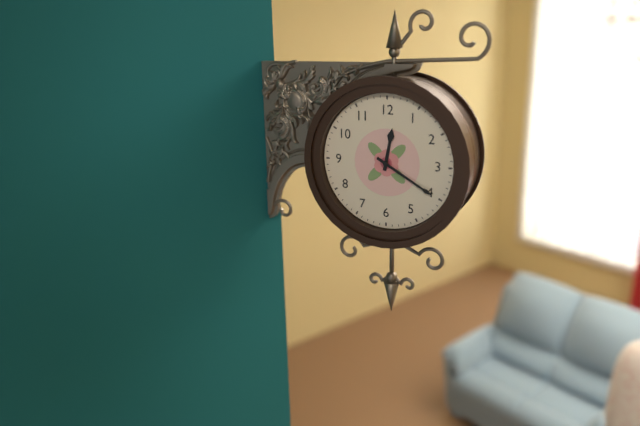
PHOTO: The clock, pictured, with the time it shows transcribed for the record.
12:20
